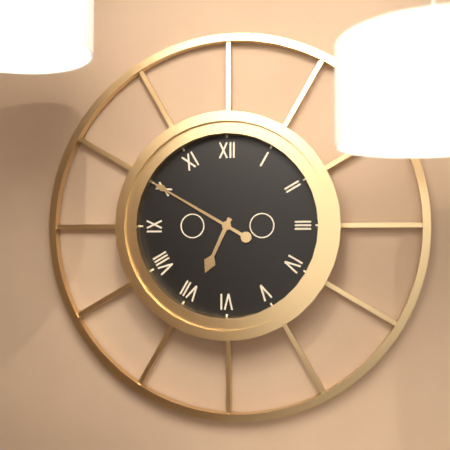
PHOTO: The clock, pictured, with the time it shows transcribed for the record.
6:50
